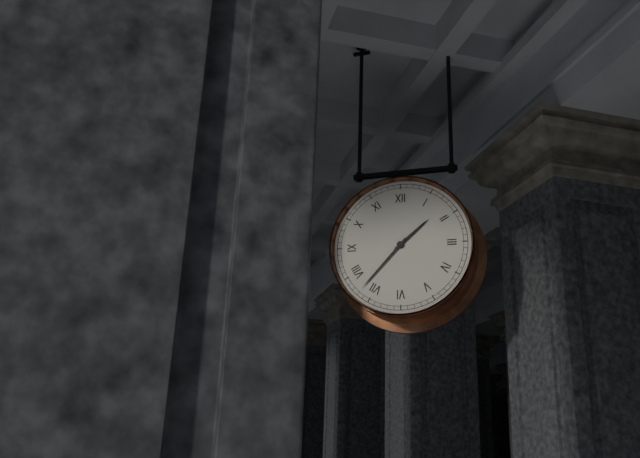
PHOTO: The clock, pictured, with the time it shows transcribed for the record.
1:37
